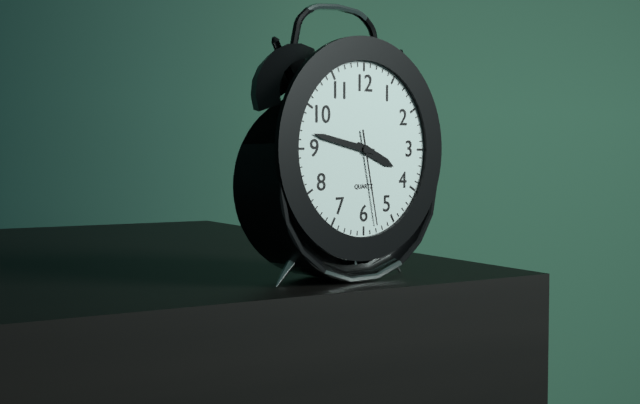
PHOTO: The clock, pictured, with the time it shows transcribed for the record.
3:47:28
